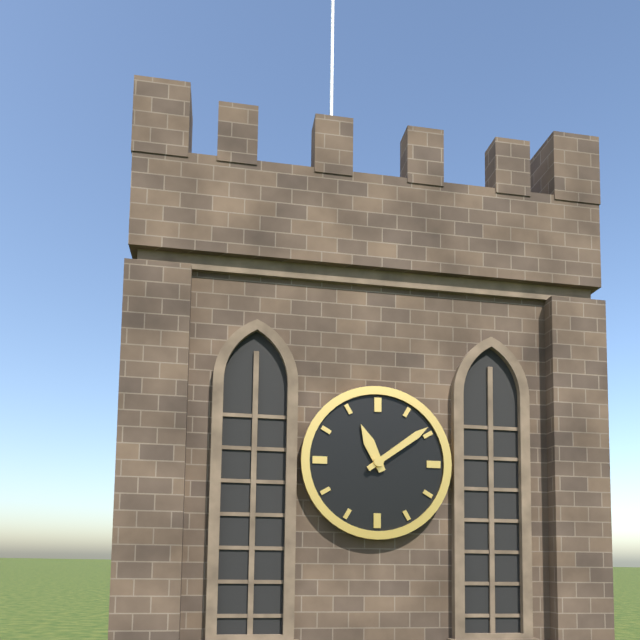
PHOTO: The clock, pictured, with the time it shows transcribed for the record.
11:09
